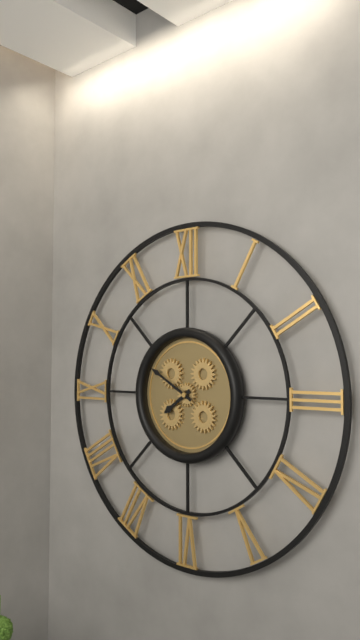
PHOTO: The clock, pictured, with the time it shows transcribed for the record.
7:50
